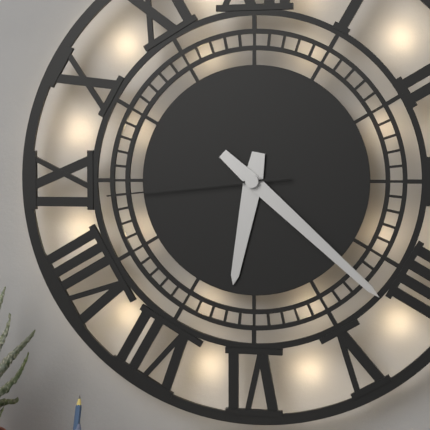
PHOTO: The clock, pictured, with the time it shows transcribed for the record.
6:22:44
